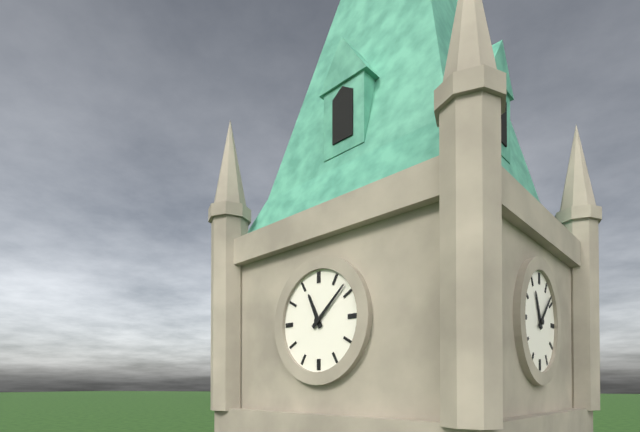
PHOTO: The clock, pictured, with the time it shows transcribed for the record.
11:08
